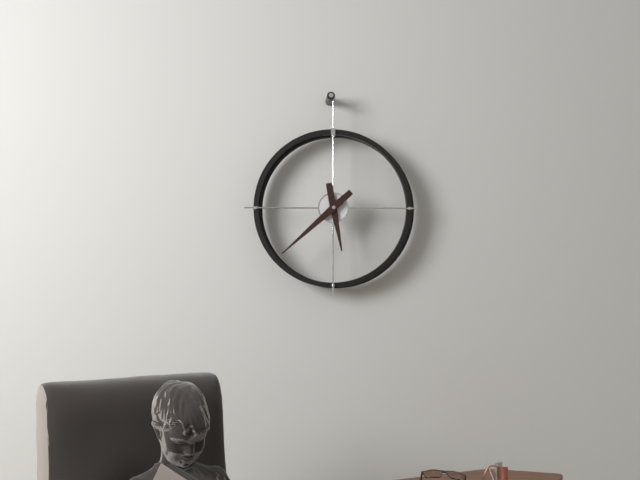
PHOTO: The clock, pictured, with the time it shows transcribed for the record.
5:38
